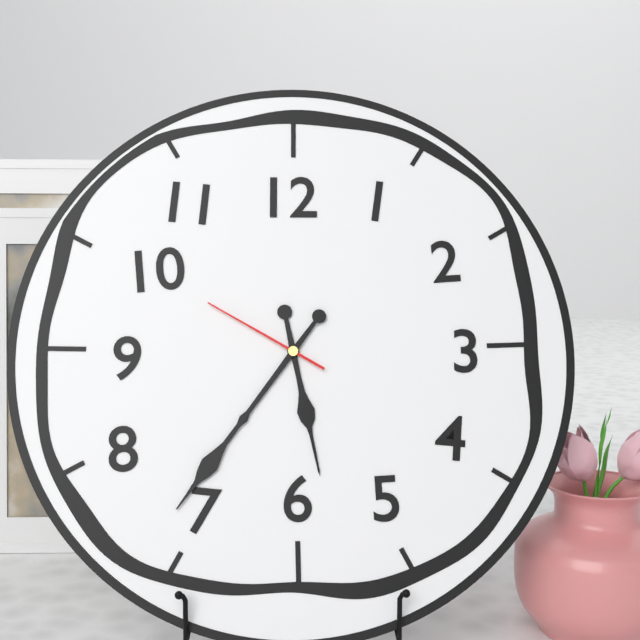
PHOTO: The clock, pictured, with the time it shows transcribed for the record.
5:36:50
